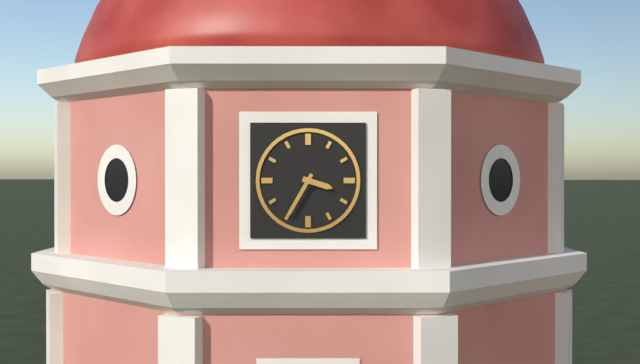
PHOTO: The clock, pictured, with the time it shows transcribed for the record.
3:35
